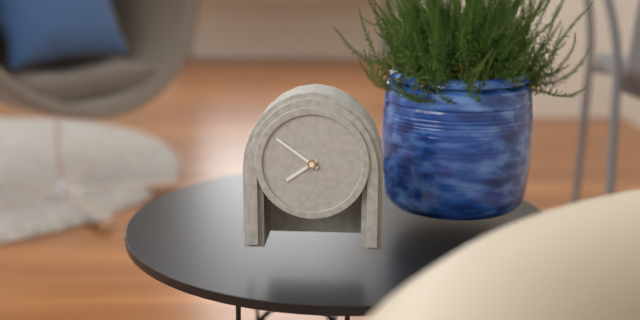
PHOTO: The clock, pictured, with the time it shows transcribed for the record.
7:51
